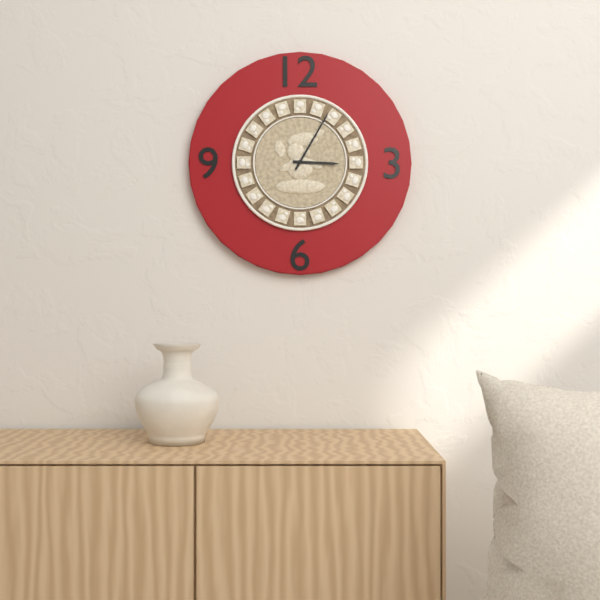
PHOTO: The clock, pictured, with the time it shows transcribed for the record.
3:05
